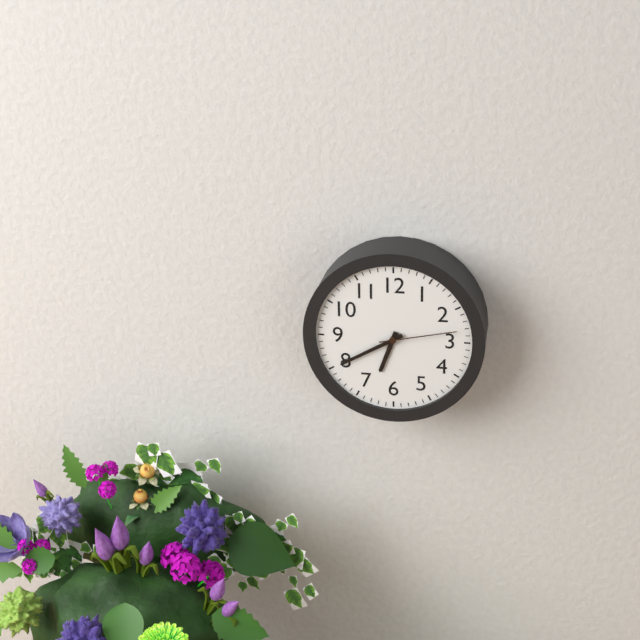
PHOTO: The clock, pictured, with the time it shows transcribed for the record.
6:40:13
